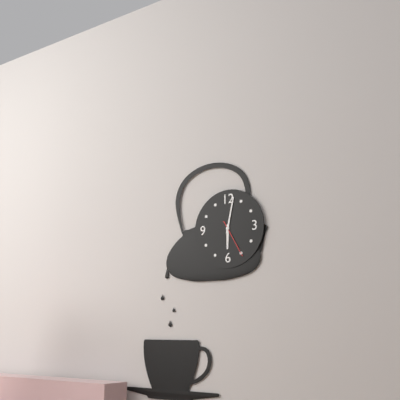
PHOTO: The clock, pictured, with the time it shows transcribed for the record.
6:02
